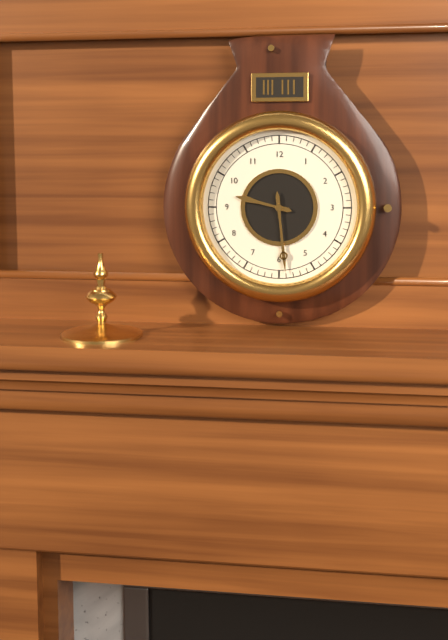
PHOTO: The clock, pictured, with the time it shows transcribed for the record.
9:29
